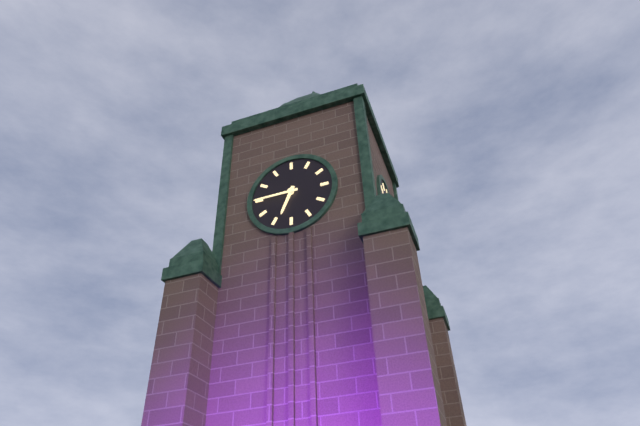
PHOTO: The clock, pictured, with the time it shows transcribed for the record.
6:45
